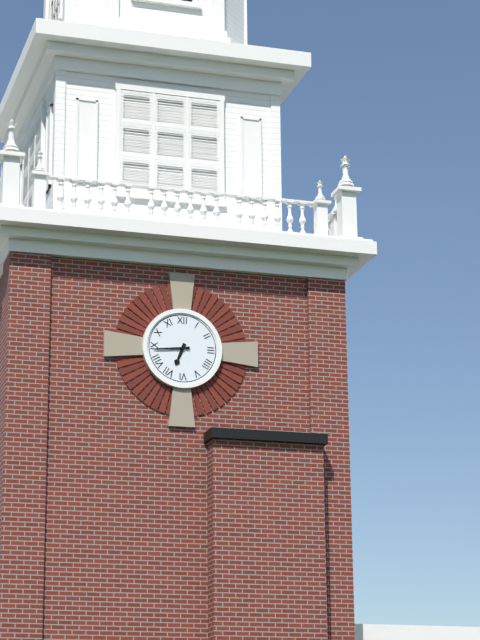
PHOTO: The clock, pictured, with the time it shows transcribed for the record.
6:44
